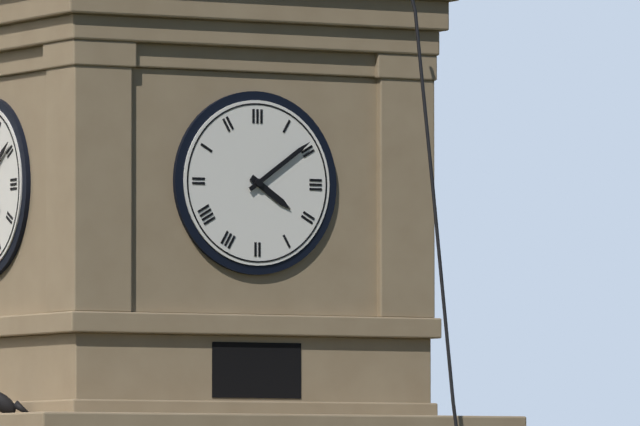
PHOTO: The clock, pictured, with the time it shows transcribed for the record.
4:09
